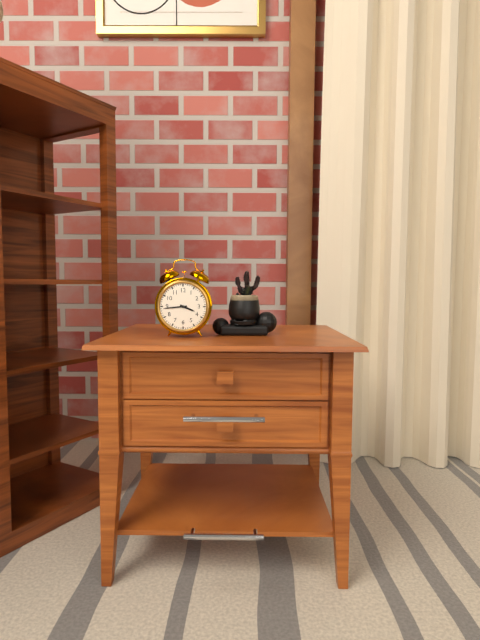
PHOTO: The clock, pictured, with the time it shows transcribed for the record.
3:44
